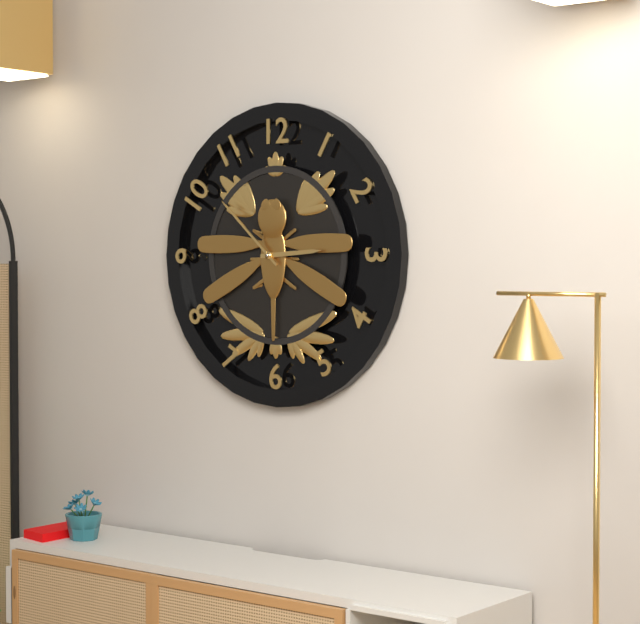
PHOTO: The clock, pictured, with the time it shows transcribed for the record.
2:52
